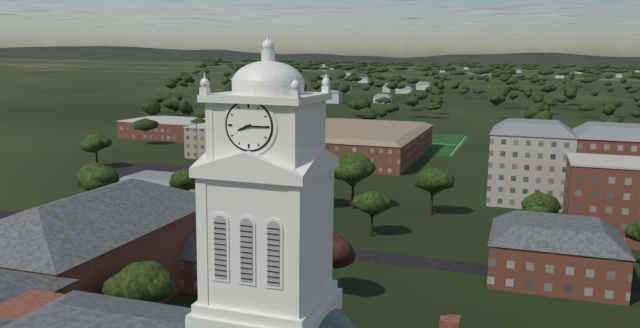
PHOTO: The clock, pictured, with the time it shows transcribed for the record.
8:15
